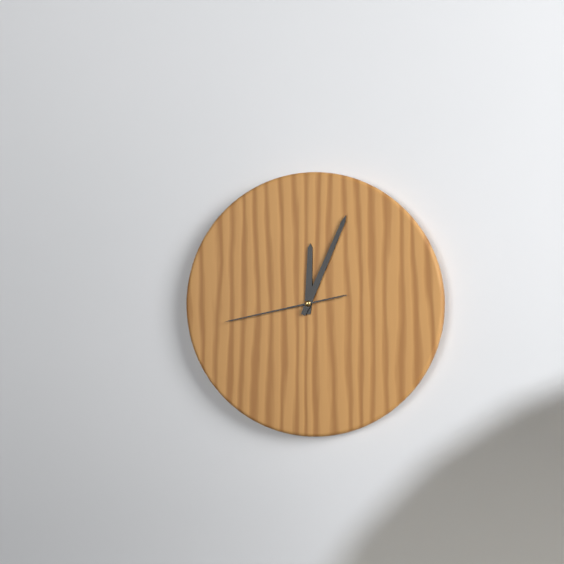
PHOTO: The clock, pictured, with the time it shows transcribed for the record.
12:04:43
